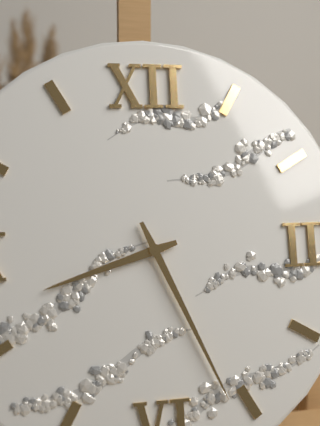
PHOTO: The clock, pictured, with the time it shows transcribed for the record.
8:26
